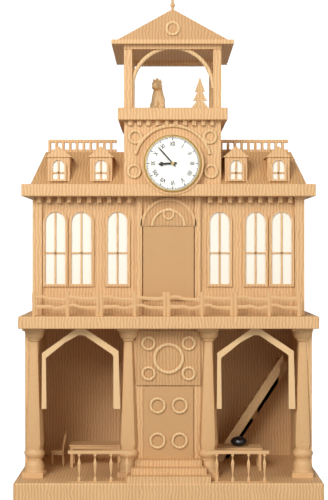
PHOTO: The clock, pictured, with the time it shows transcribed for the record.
8:53
